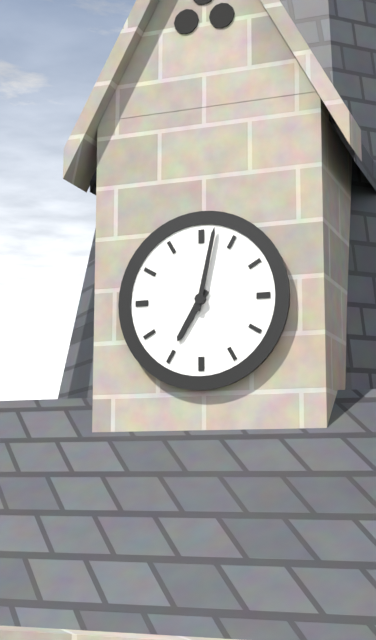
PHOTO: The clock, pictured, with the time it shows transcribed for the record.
7:02
